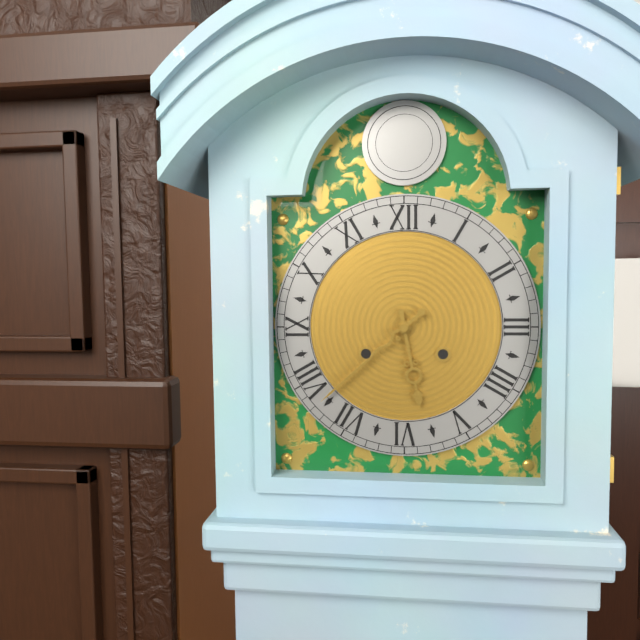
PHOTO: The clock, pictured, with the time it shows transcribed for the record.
5:38
